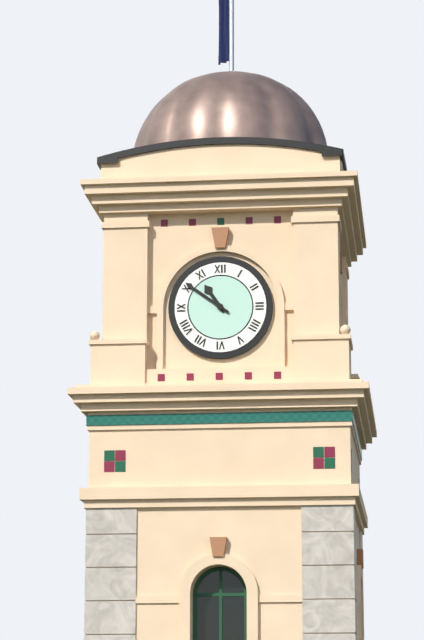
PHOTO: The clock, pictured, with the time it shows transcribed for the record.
10:51
